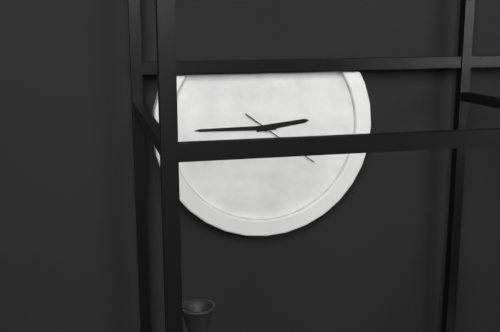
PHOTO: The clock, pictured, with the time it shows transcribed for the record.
2:45:21
